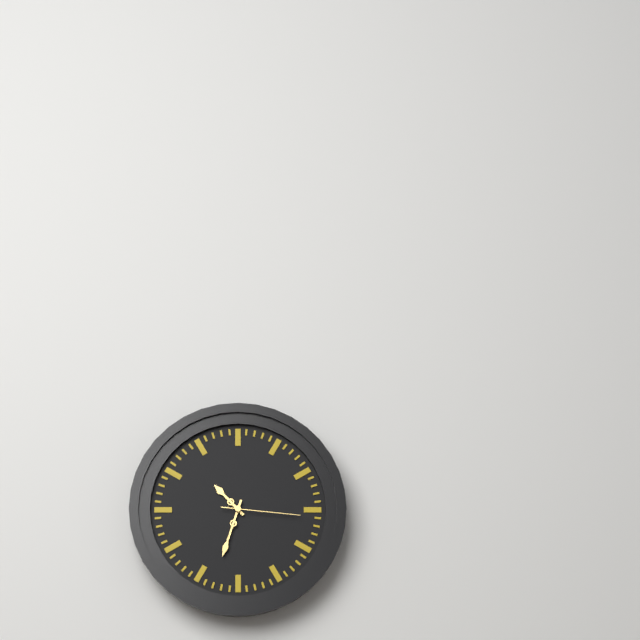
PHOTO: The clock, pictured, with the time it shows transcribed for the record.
10:33:16
